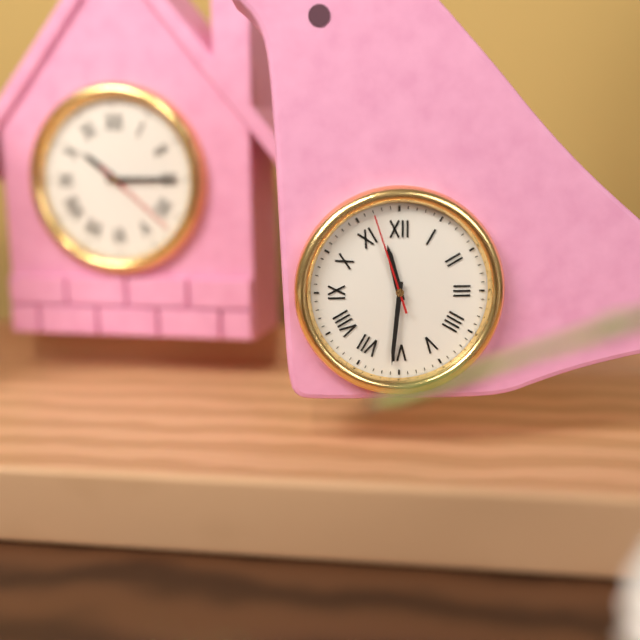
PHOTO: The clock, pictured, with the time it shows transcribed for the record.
11:31:57
